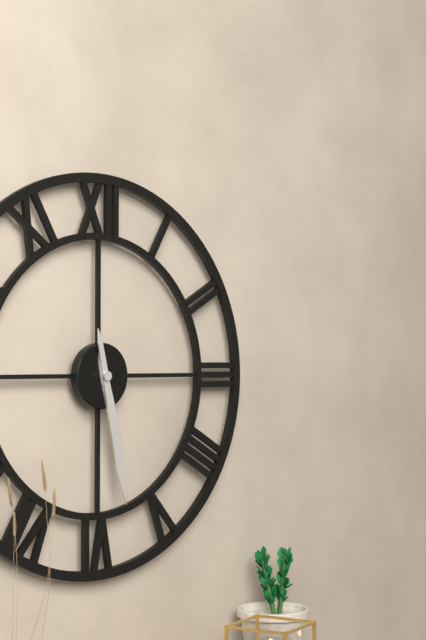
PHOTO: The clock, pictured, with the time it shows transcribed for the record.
5:28
